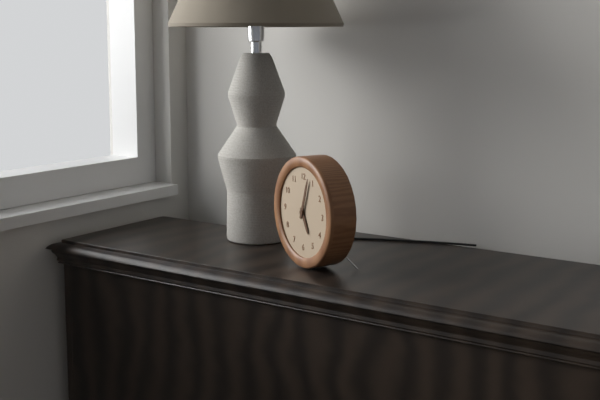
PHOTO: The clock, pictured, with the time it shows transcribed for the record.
5:03
